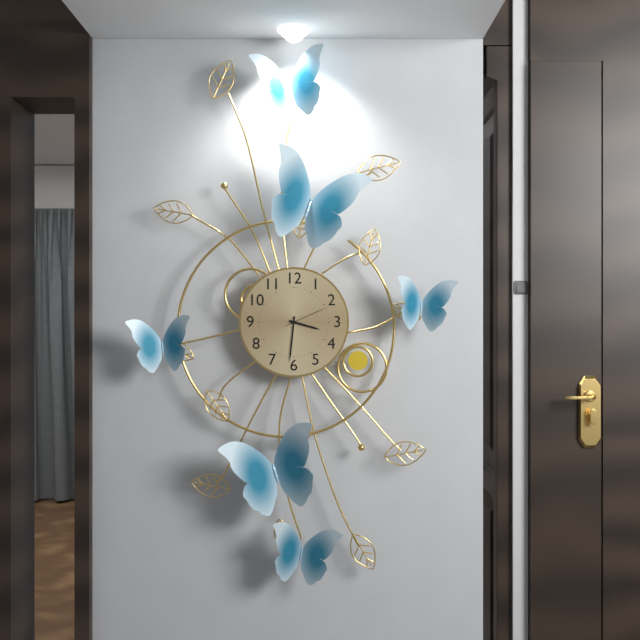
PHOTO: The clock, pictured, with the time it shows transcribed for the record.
3:31
